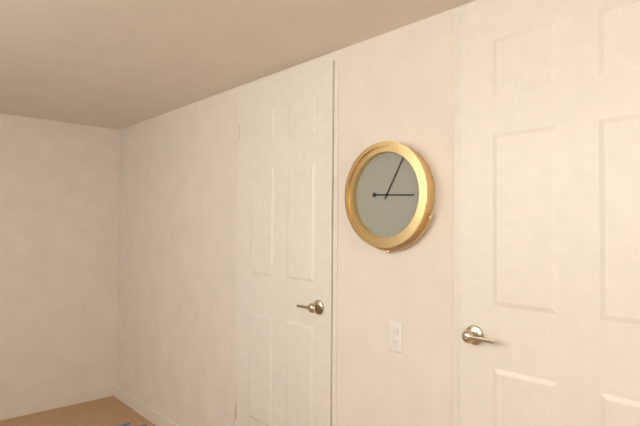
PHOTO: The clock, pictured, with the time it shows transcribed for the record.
3:05
